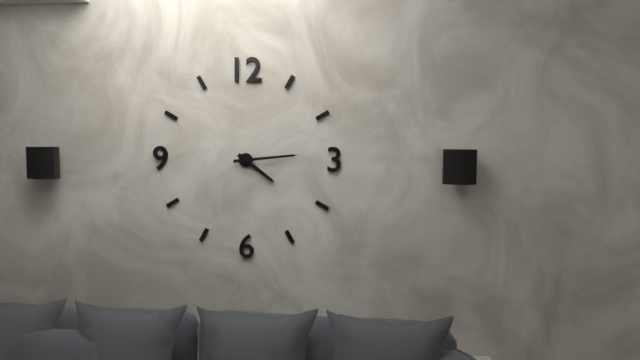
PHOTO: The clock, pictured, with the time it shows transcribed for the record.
4:14
